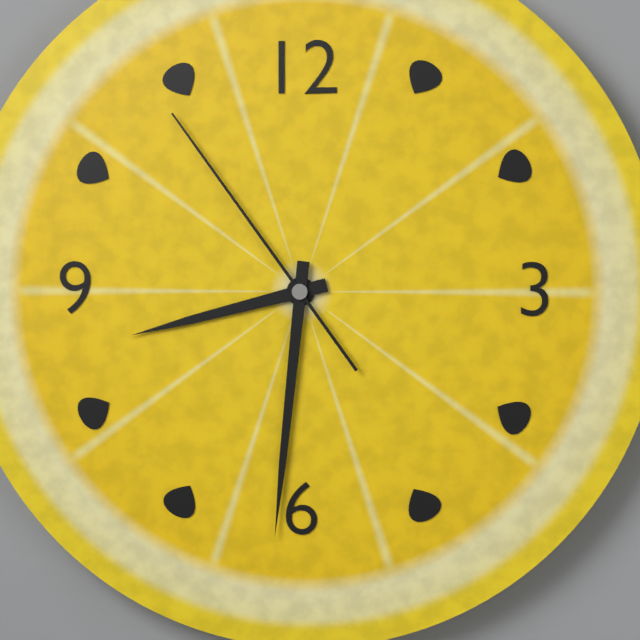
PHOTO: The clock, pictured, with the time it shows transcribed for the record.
8:31:54
